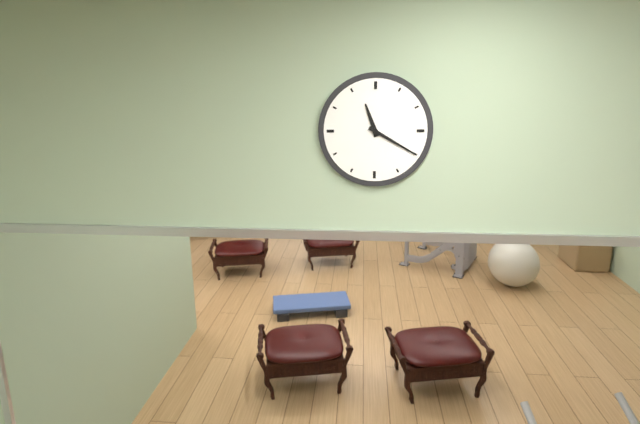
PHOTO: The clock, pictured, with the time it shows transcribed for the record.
11:20
